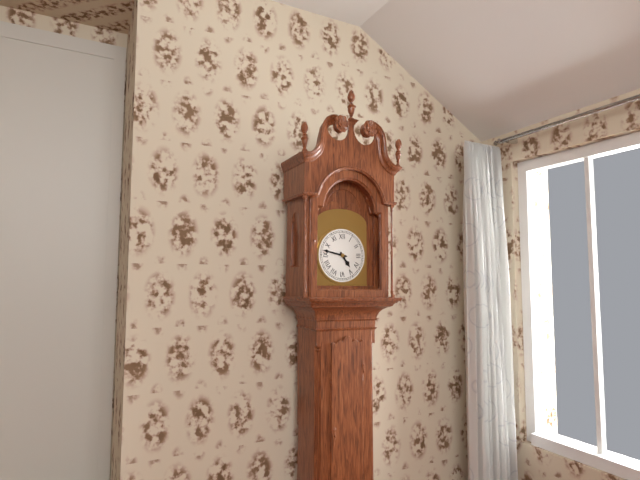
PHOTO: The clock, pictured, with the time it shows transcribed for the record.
4:47
